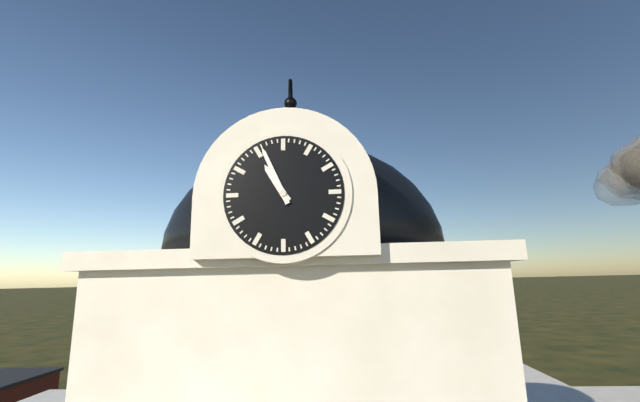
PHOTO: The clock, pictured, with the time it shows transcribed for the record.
10:56
